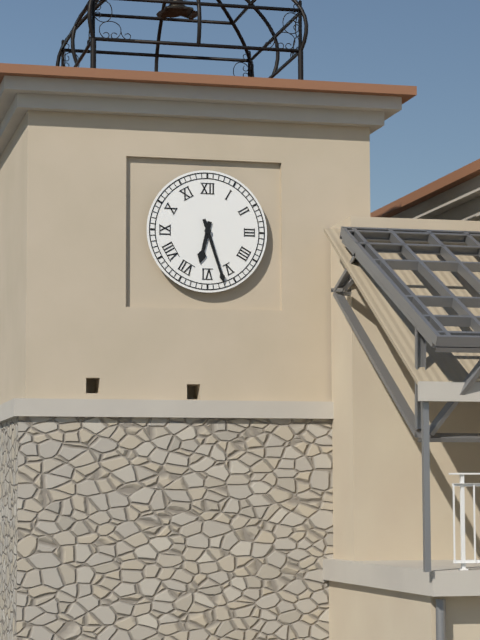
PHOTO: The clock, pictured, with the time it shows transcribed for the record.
6:27
